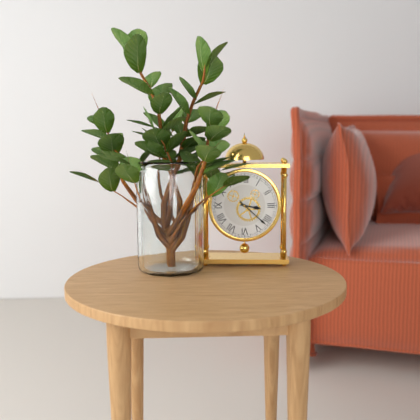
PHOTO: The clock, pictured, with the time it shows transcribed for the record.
3:22
